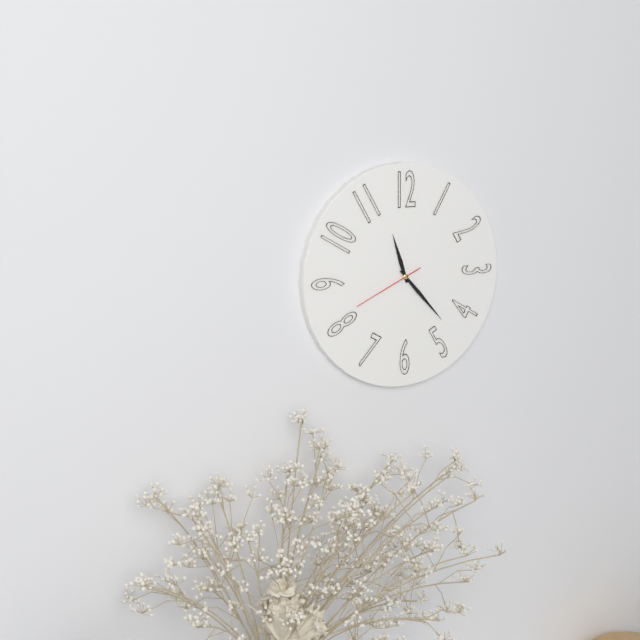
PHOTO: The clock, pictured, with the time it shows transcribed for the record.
11:23:41
